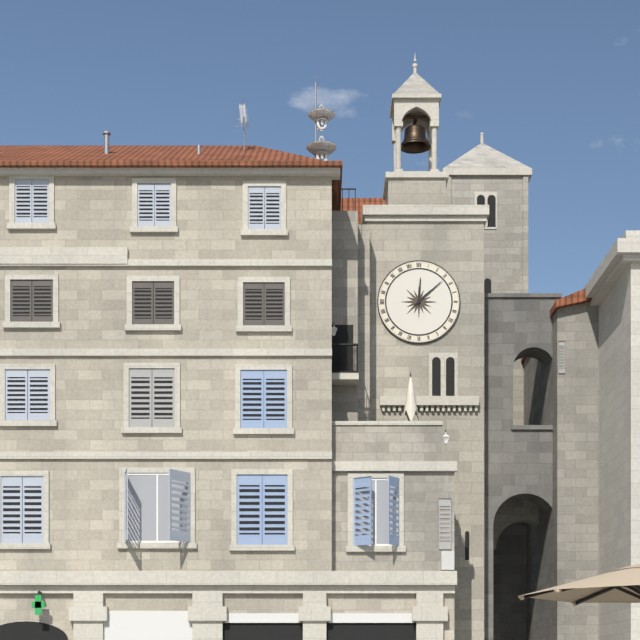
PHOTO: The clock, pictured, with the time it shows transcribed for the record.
12:08
